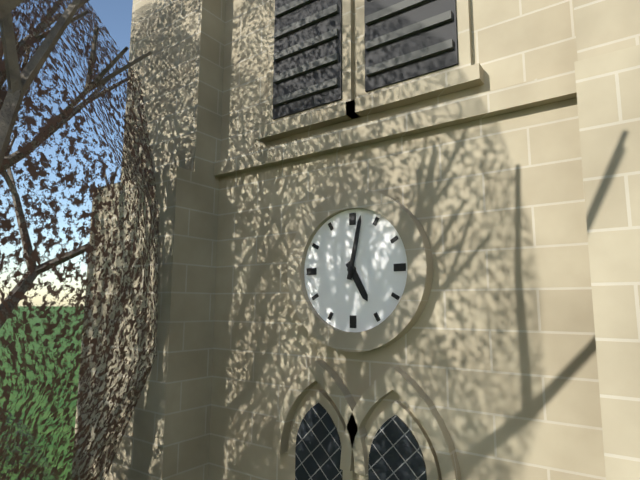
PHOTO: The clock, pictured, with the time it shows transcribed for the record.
5:02
